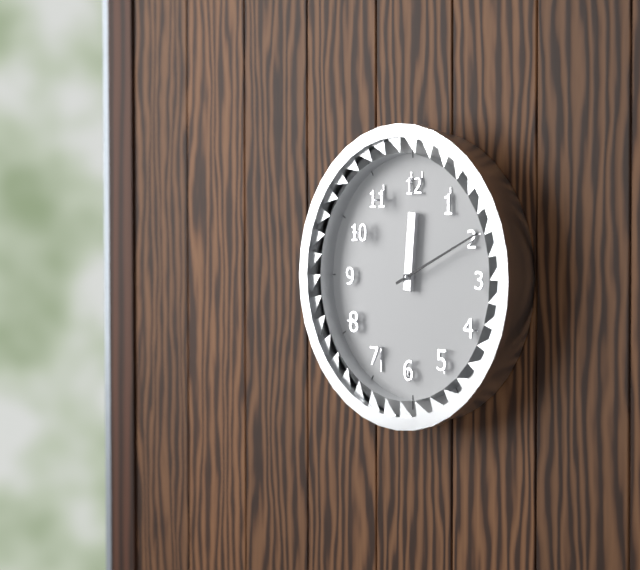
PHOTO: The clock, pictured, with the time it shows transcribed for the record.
12:11
